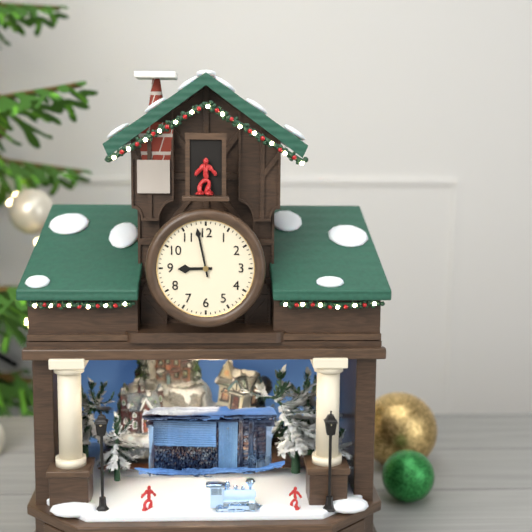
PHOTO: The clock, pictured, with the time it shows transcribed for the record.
8:58
